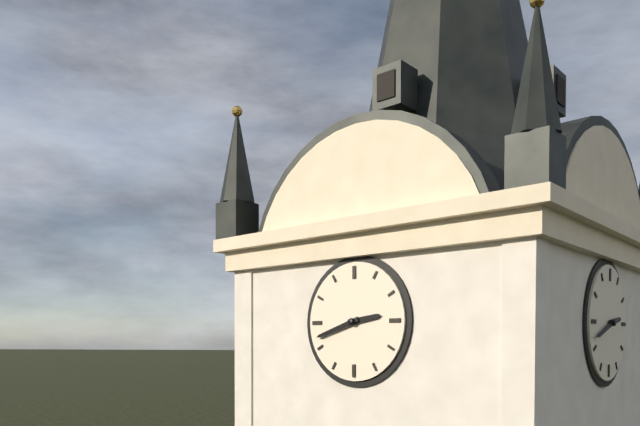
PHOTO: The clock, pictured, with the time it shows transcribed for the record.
2:42
